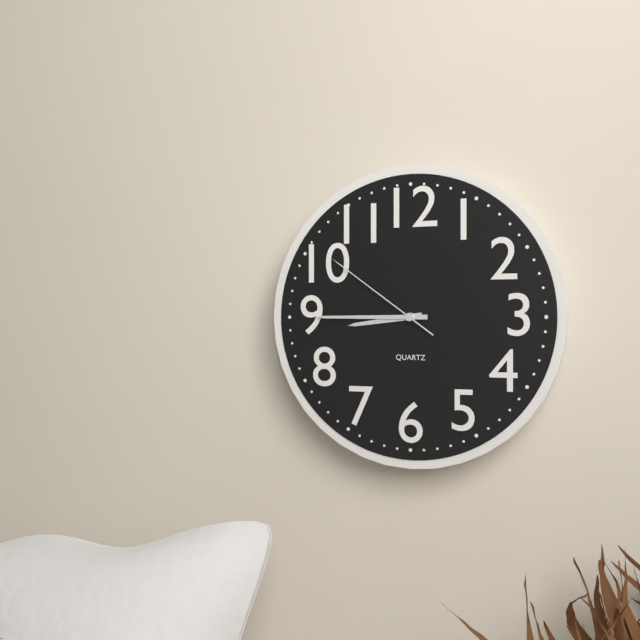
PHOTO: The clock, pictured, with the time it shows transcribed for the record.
8:45:51
